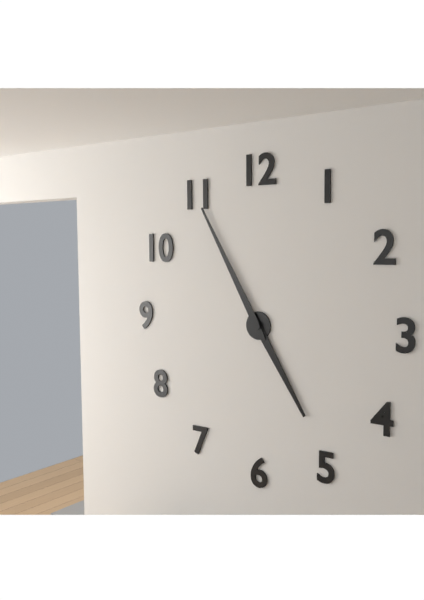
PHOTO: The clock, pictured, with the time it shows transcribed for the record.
4:55
